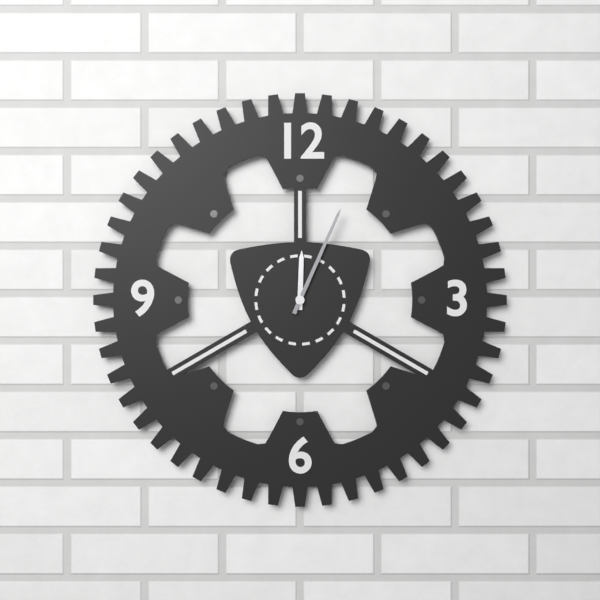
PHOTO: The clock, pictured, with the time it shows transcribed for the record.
12:04
